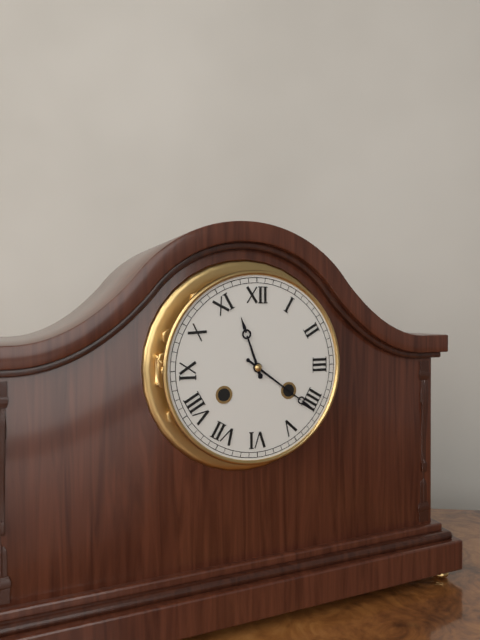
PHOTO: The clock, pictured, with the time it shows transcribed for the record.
11:21
